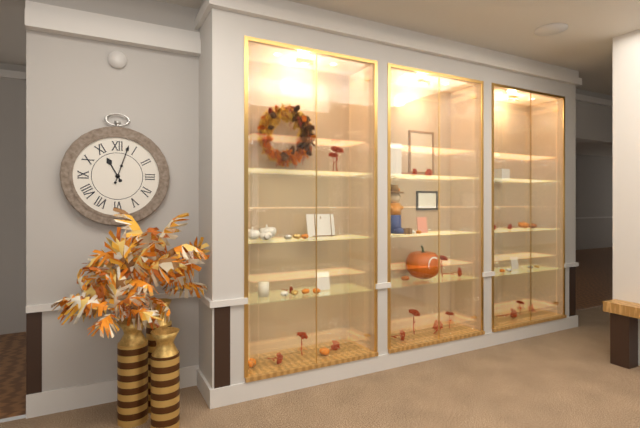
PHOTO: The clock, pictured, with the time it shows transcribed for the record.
11:03
